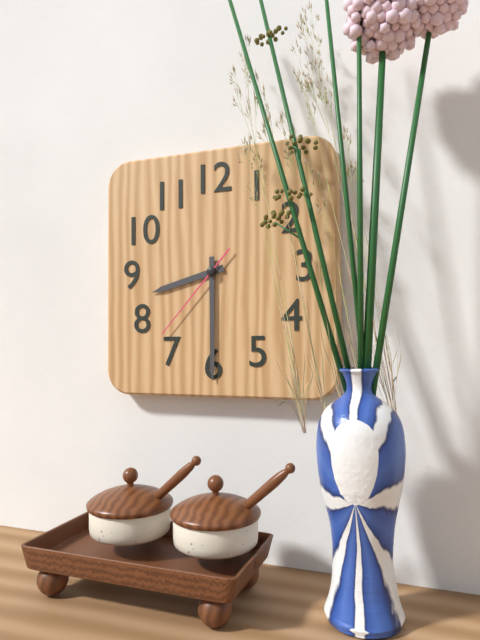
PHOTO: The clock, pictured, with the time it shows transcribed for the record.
8:30:37
